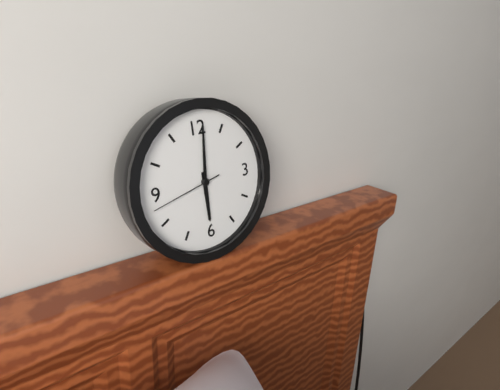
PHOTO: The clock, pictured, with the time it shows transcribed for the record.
6:01:43
